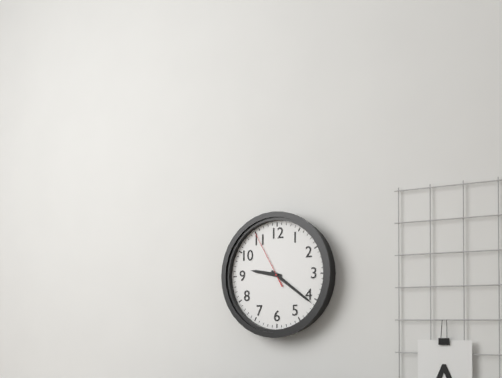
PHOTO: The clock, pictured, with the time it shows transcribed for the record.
9:21:55
